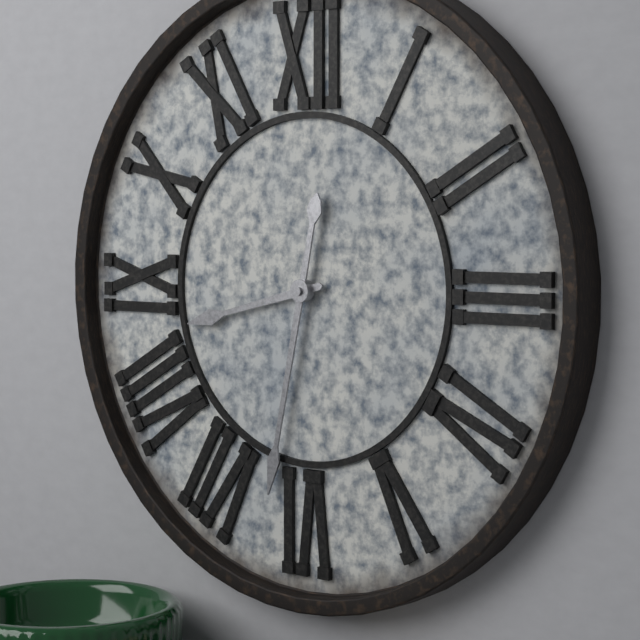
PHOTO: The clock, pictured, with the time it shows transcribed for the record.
8:32
